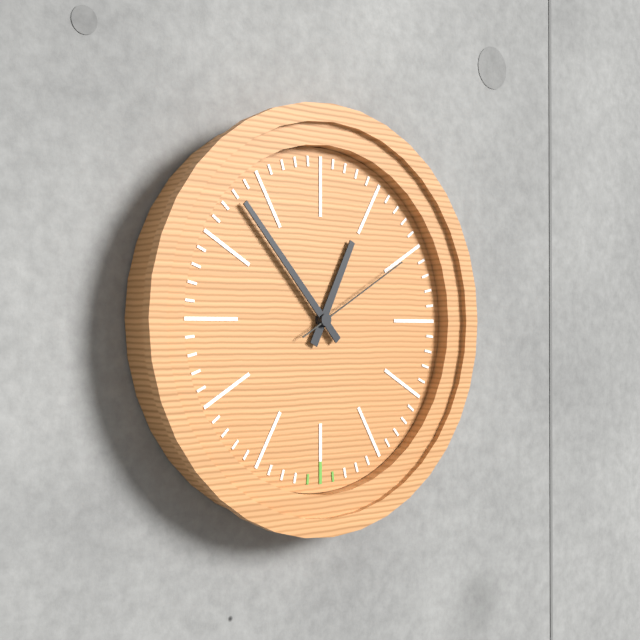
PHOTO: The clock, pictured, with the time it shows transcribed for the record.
12:53:10
